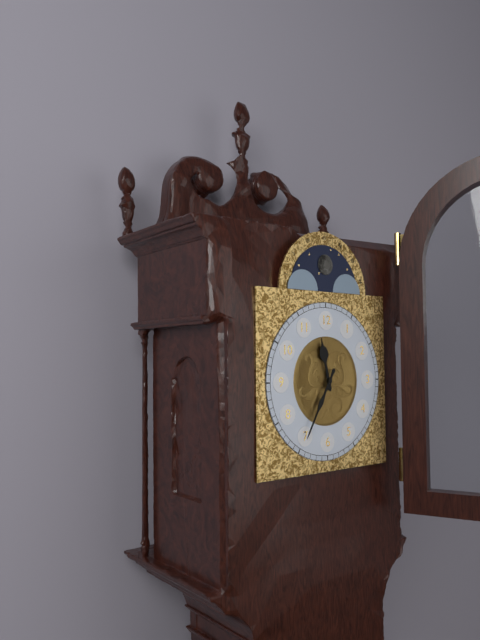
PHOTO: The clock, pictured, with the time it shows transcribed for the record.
11:35
